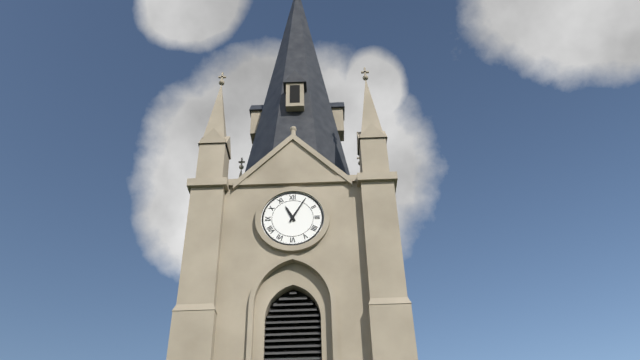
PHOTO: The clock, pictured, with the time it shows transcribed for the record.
11:05
